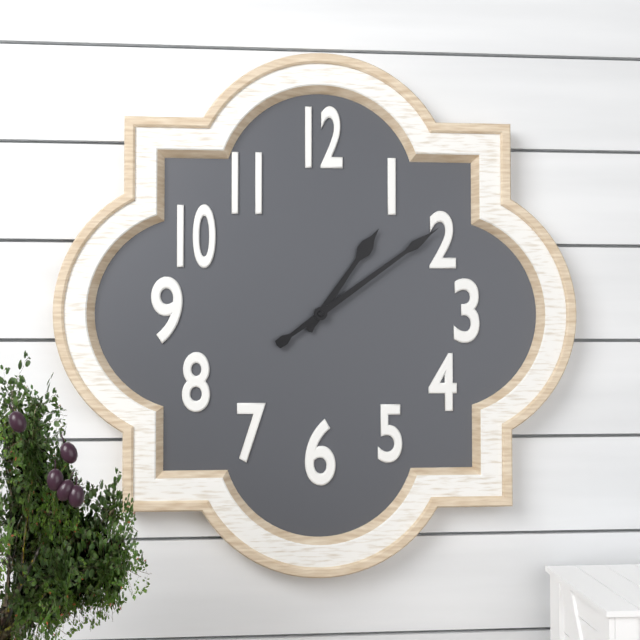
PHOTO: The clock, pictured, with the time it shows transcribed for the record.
1:09
